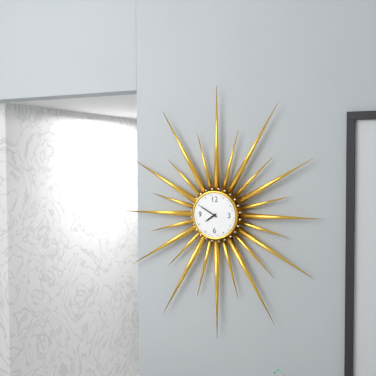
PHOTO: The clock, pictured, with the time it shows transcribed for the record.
7:50
